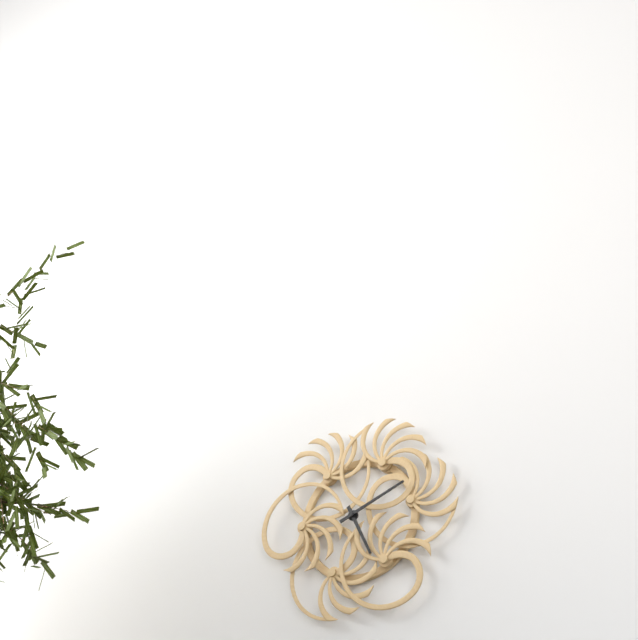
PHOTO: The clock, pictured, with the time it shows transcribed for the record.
5:11
